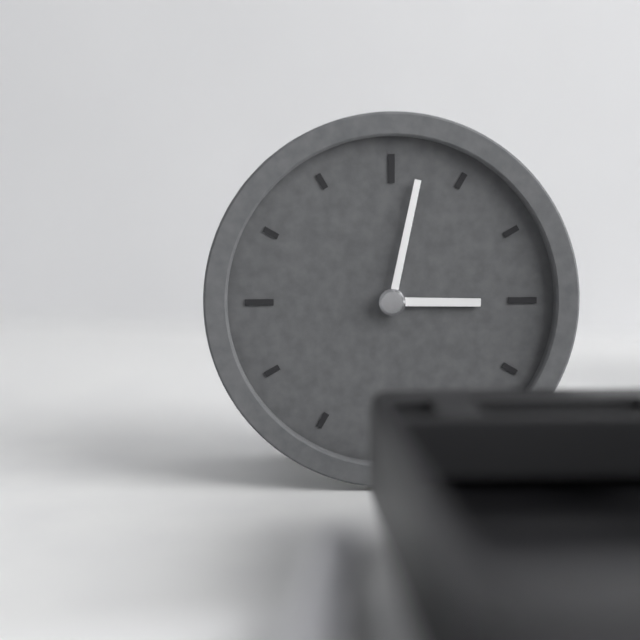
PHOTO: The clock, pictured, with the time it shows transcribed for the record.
3:02
